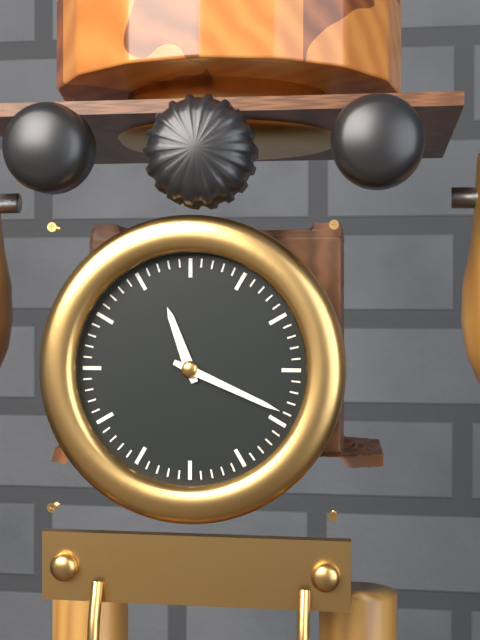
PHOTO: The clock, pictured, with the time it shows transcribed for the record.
11:19
